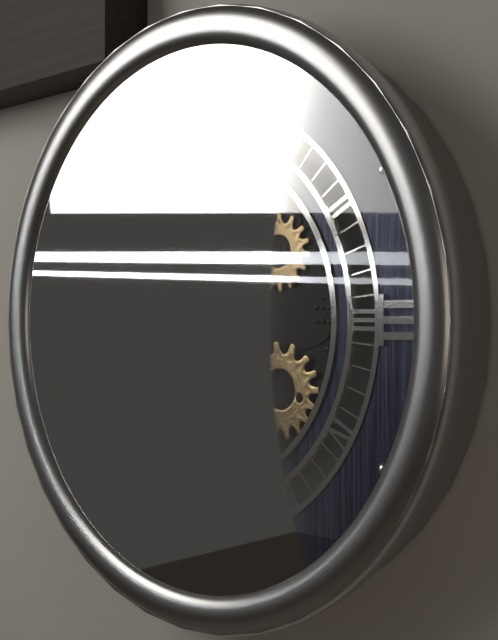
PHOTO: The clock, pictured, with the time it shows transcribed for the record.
7:32
